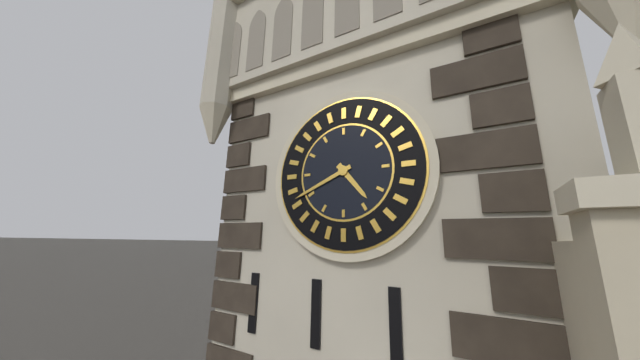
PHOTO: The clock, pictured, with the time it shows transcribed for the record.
4:41
